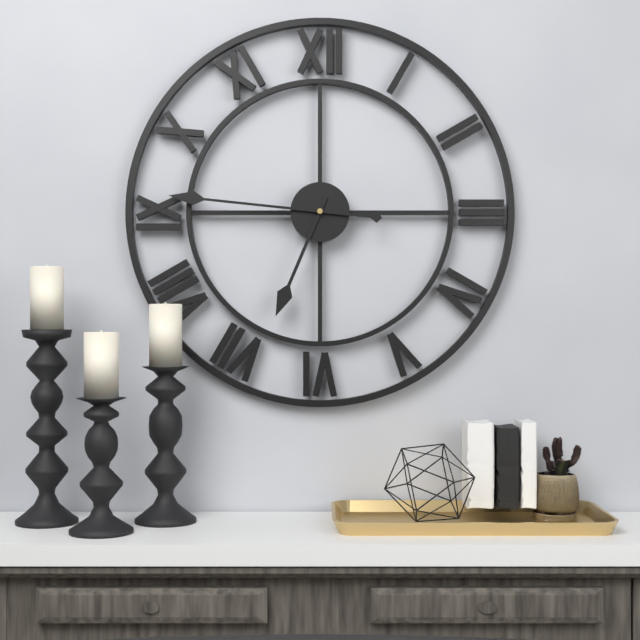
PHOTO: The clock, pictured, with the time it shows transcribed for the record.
6:46
